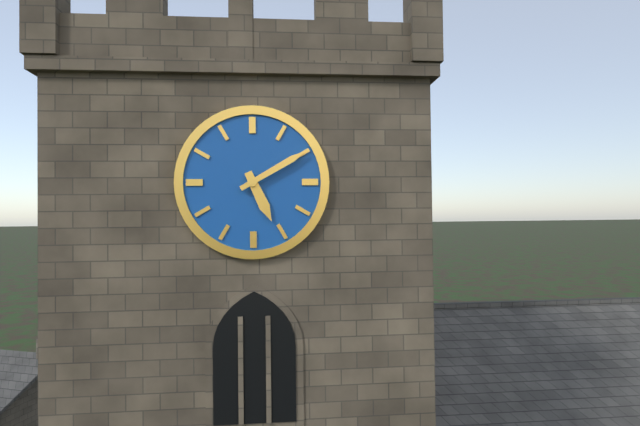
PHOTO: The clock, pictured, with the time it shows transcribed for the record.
5:10
